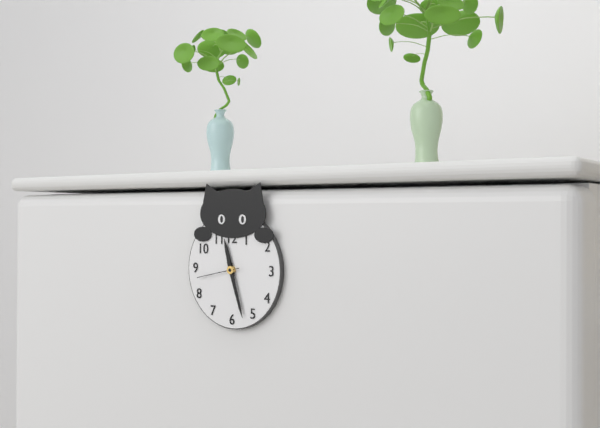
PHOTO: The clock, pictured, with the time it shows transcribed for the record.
11:27
